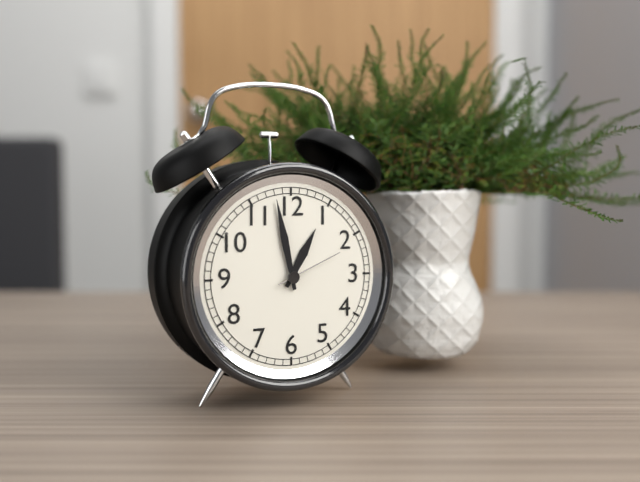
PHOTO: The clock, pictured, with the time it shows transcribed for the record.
12:58:11
